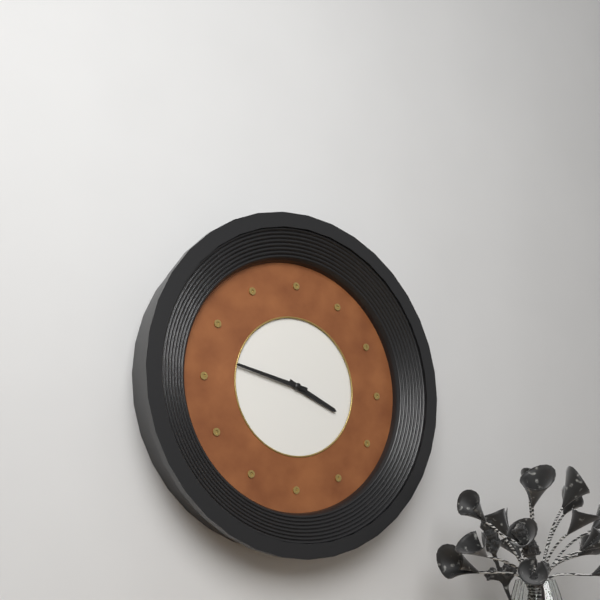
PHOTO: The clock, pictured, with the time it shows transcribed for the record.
3:47
